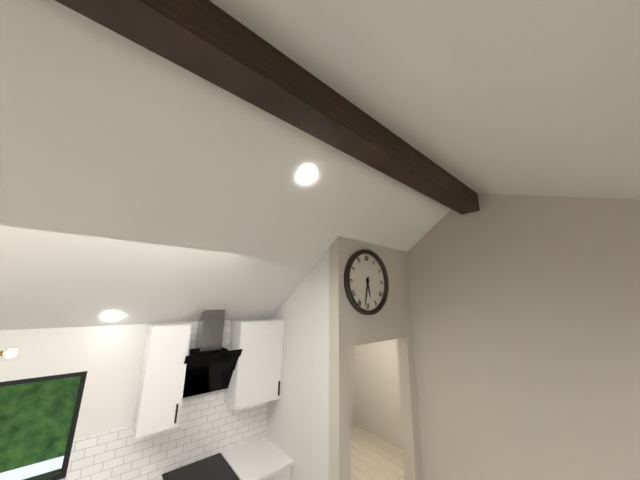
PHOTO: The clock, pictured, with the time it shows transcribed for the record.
5:32
